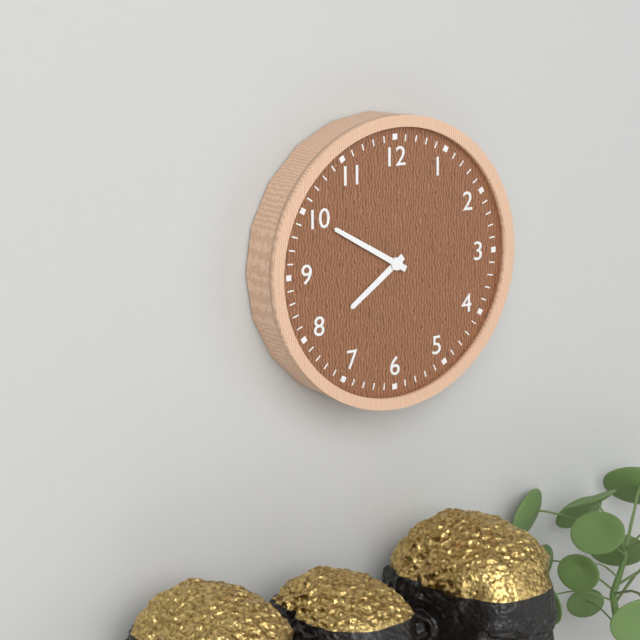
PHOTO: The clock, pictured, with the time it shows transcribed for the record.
7:50
